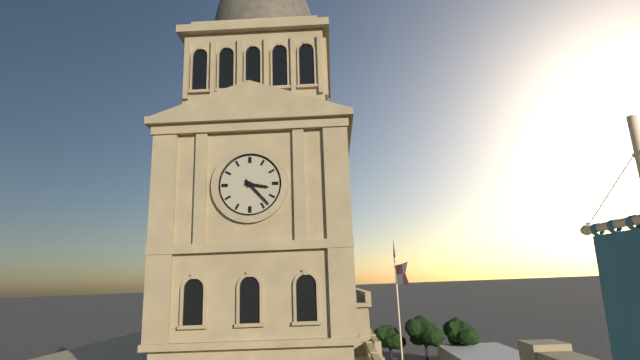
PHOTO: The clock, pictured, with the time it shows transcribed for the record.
3:23
